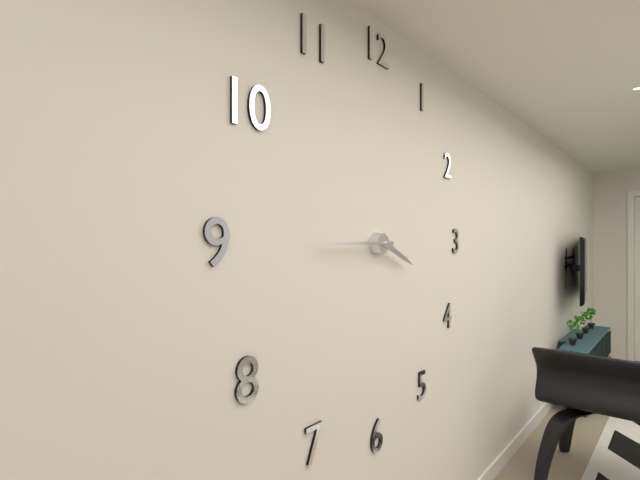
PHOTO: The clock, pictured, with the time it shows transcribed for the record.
3:45
